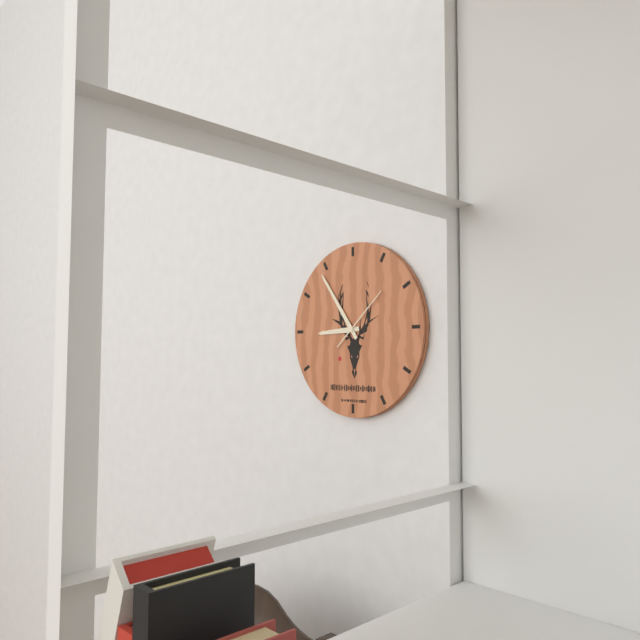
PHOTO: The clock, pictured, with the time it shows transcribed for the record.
8:54:08
